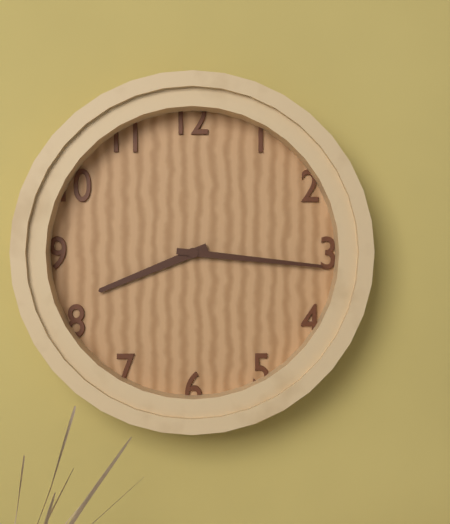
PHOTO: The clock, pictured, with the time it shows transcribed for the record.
8:16
